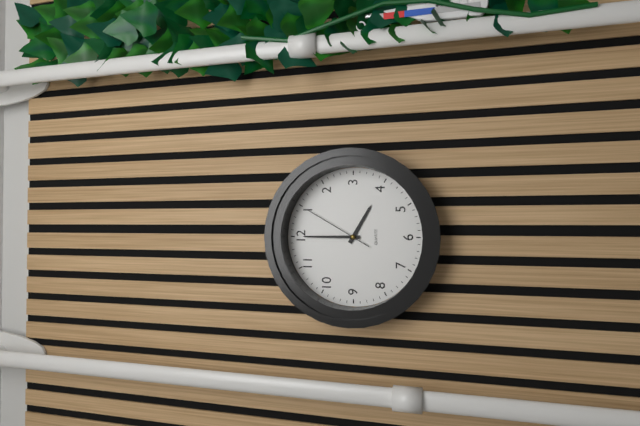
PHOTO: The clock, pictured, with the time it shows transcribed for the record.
4:00:05
